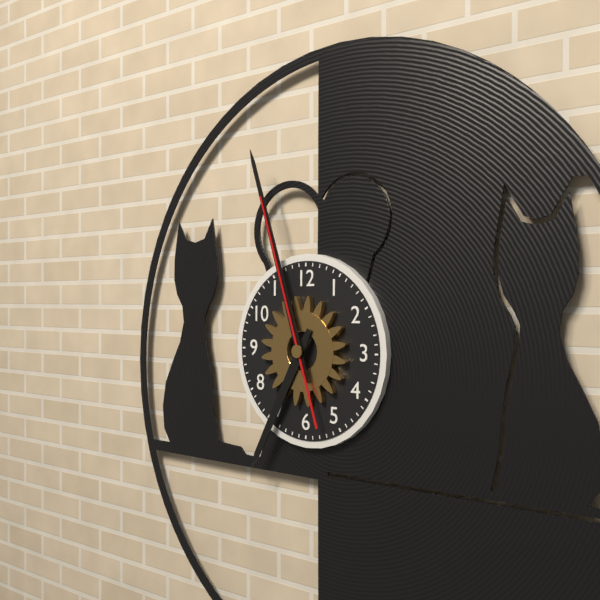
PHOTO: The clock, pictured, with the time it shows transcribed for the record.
6:57:57
